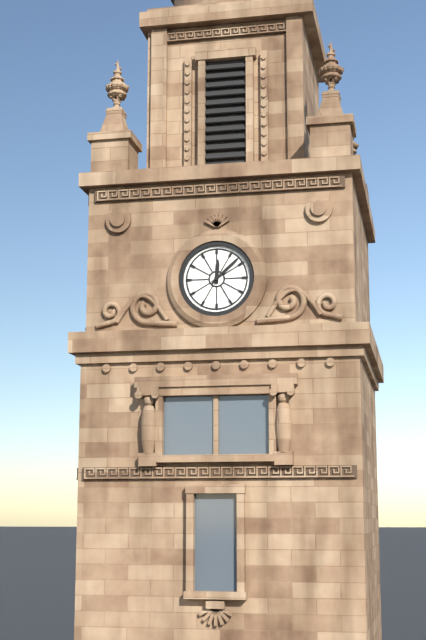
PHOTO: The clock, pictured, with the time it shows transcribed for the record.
12:08
